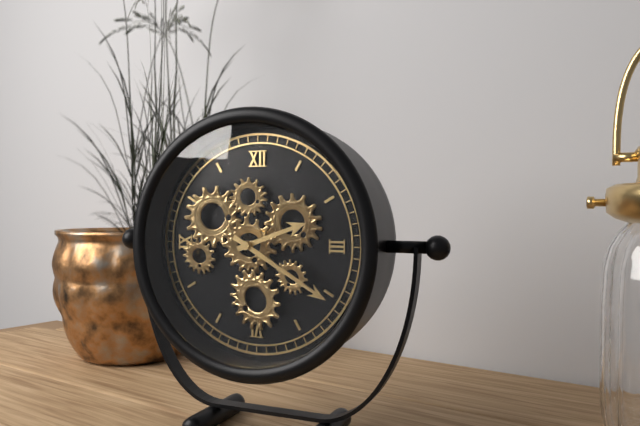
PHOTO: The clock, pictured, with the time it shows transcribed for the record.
2:20
